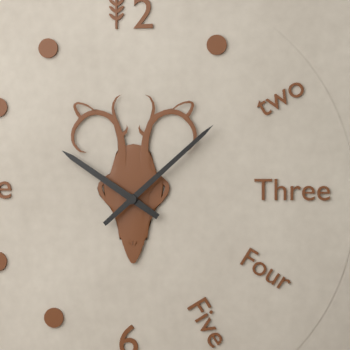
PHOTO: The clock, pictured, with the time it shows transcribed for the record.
10:08
